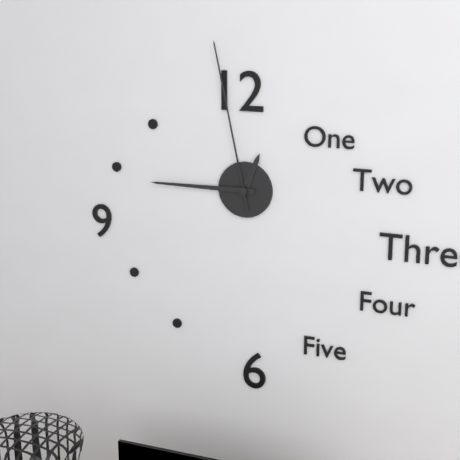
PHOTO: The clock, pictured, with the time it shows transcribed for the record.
12:45:58
